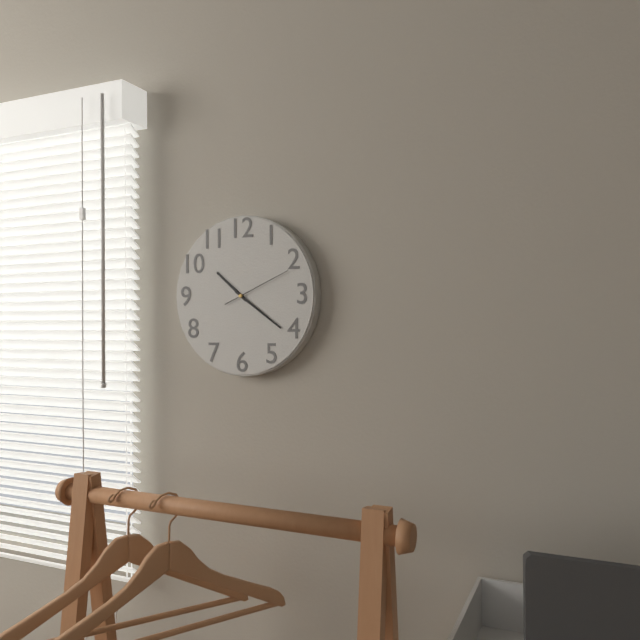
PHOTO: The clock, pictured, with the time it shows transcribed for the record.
10:21:11
